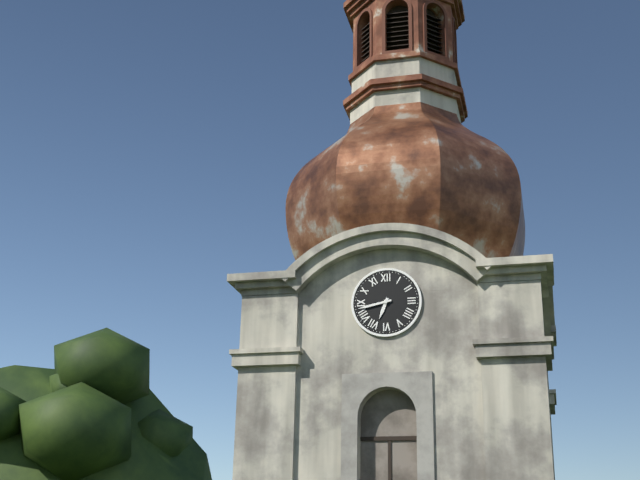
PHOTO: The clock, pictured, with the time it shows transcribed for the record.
6:43
